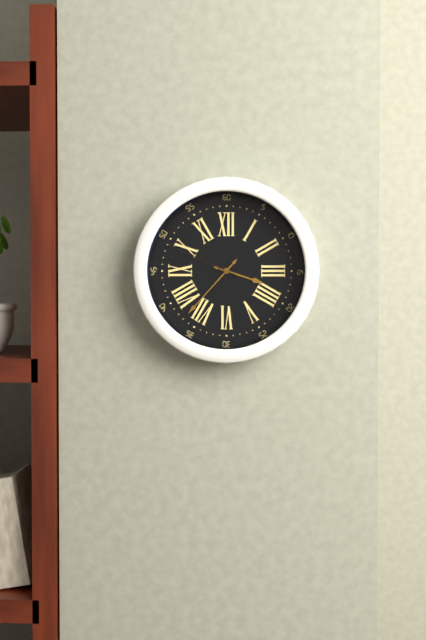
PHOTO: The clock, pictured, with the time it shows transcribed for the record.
3:37:49
